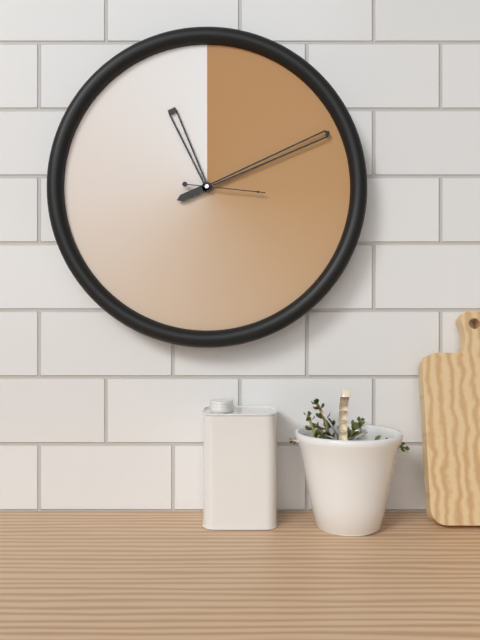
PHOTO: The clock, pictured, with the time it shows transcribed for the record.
11:11:16
